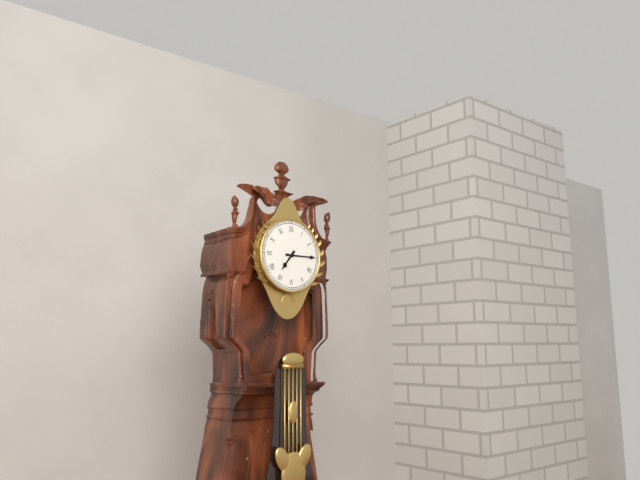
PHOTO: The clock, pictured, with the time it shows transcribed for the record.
7:15
